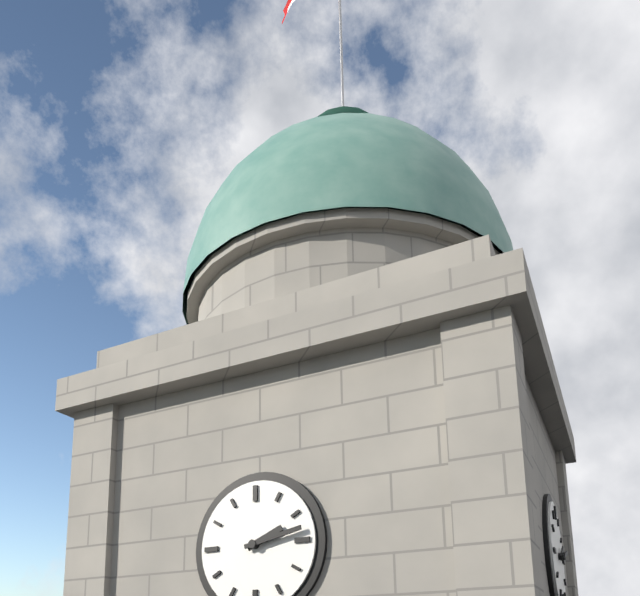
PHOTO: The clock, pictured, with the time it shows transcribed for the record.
2:13
